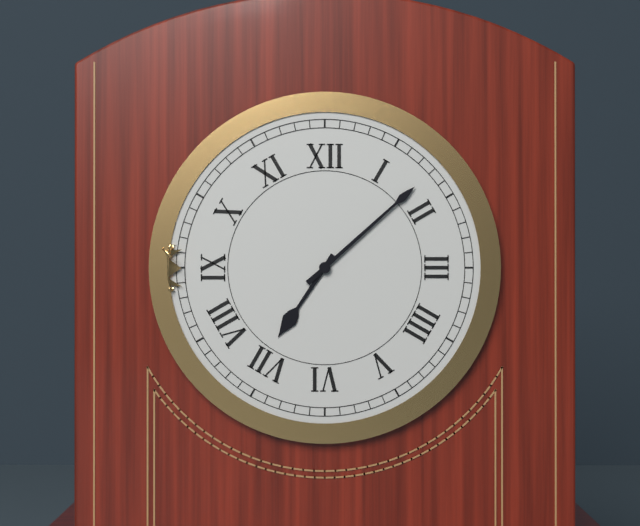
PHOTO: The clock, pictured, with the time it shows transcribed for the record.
7:08
